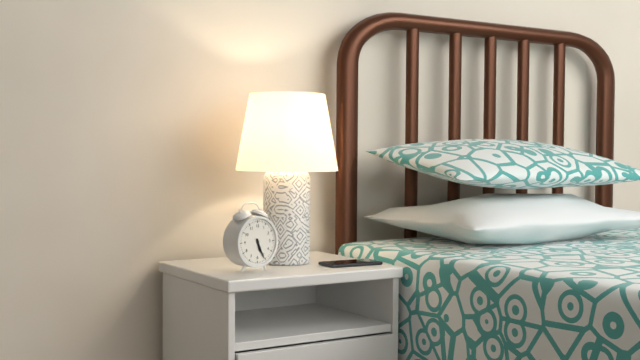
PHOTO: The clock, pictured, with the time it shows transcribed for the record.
5:26
